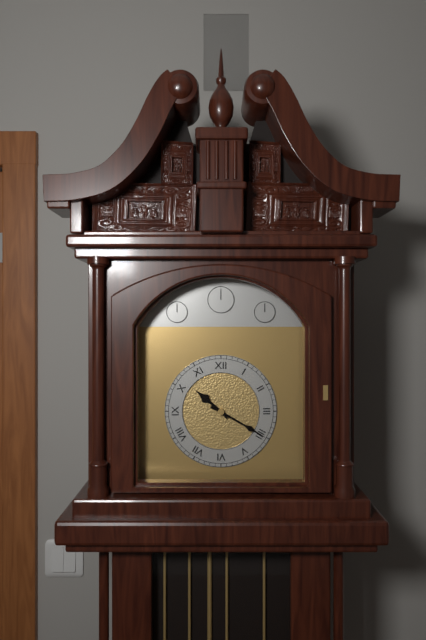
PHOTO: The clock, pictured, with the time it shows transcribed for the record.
10:20
